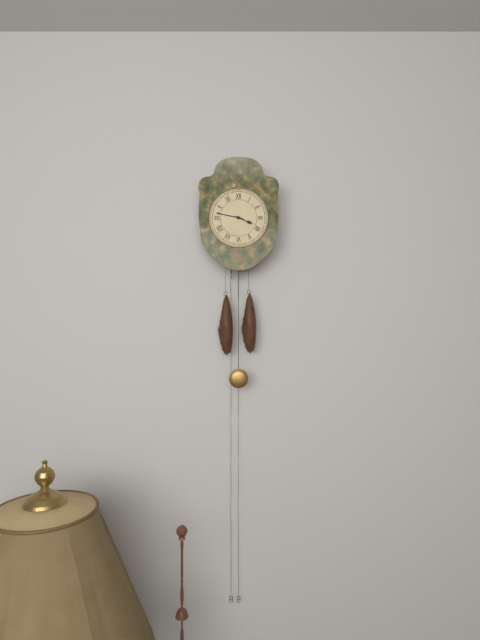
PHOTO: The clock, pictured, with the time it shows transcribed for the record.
3:47
